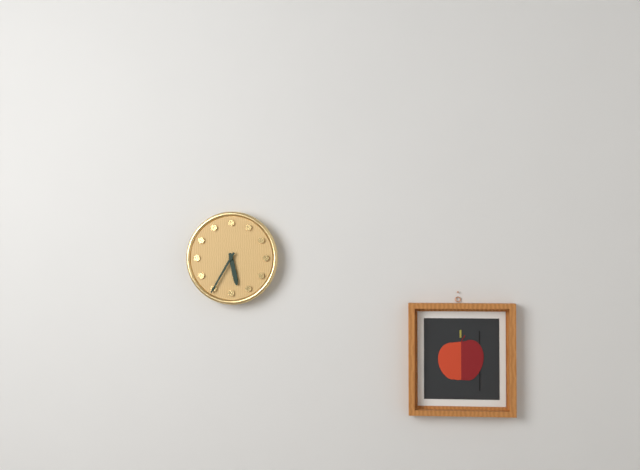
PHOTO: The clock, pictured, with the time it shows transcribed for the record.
5:35
